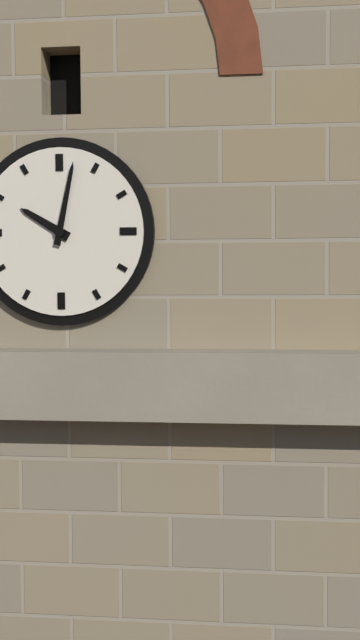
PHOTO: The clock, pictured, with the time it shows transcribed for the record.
10:02
